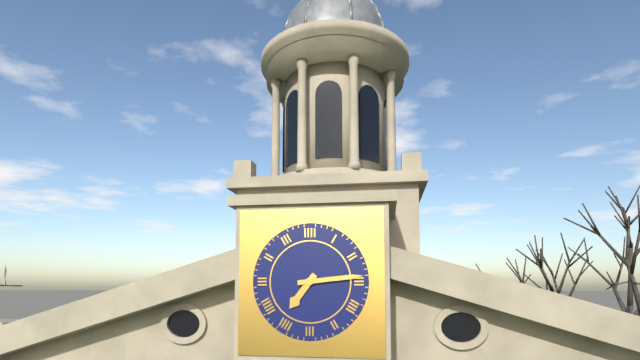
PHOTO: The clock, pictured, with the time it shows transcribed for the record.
7:14
